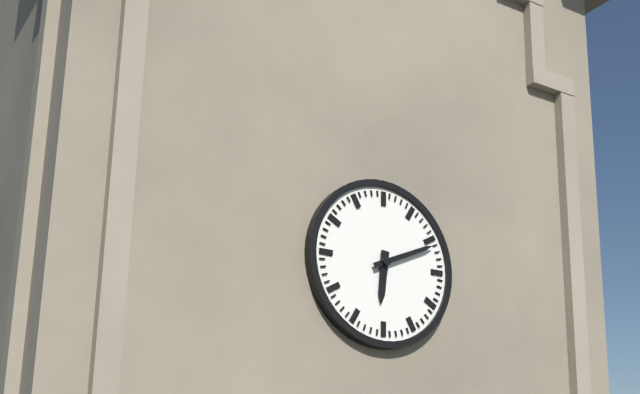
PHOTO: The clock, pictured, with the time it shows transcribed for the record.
6:11
